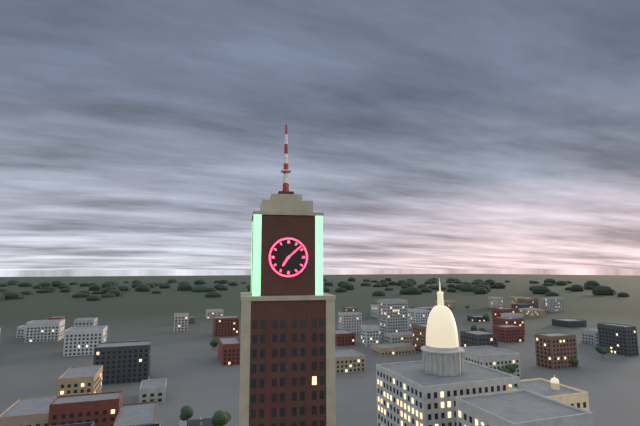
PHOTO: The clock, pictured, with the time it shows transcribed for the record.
7:08
